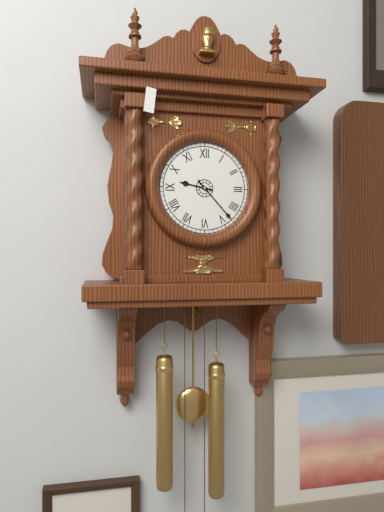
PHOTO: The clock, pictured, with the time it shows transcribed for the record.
9:23
